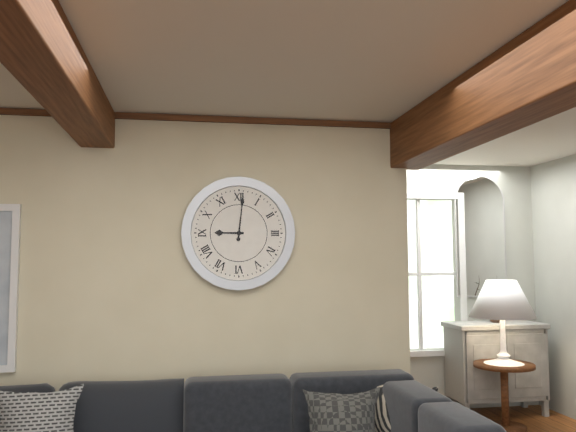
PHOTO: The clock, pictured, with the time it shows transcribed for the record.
9:01
